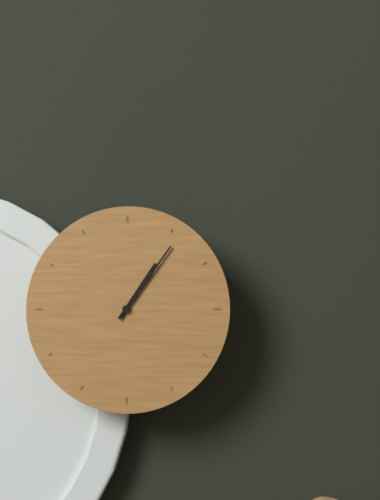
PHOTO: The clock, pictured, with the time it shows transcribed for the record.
1:06
